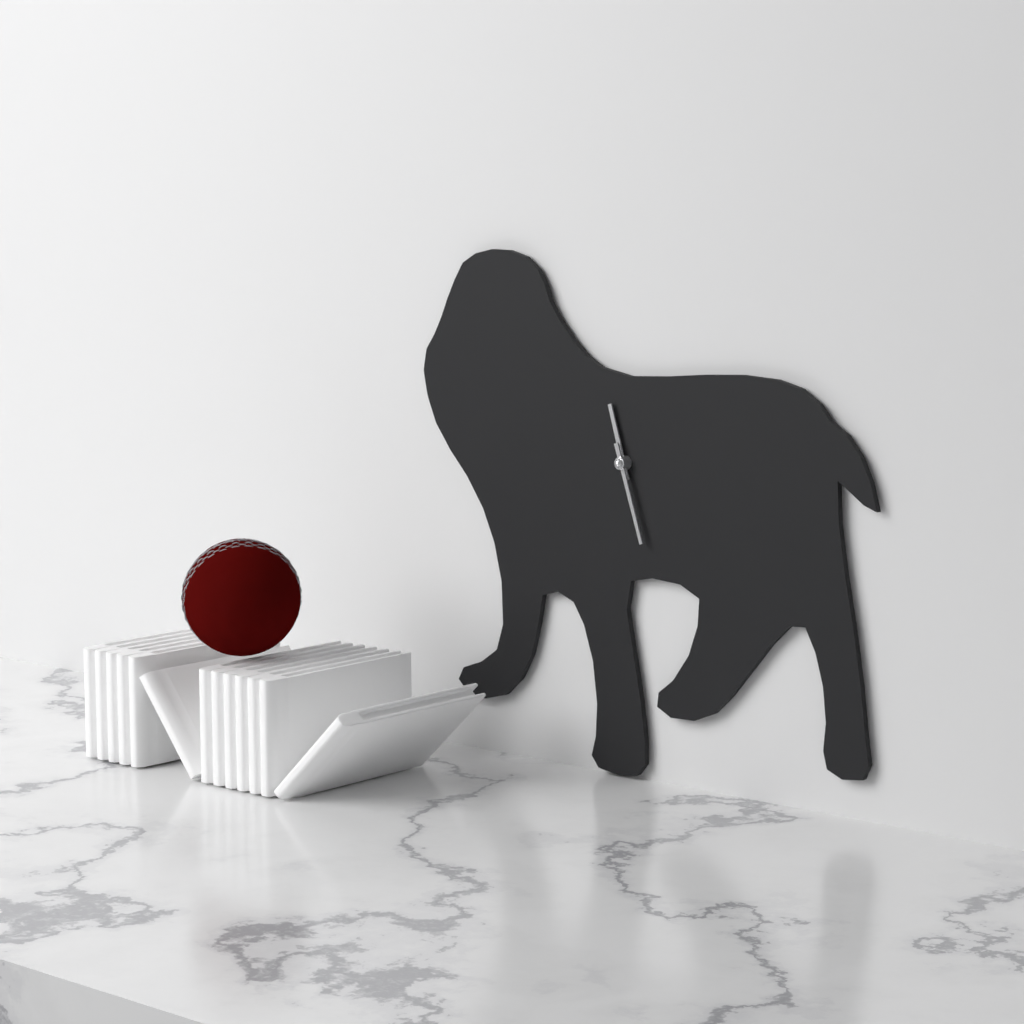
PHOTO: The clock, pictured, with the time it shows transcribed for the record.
11:27
